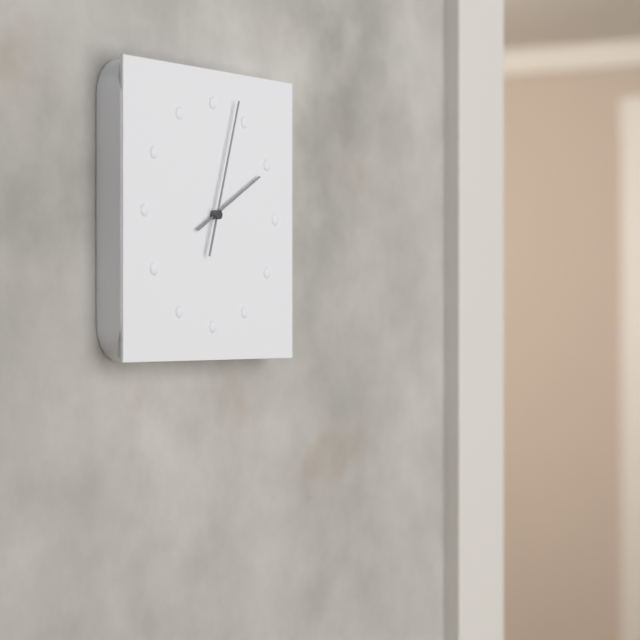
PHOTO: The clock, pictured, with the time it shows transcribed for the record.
2:03
